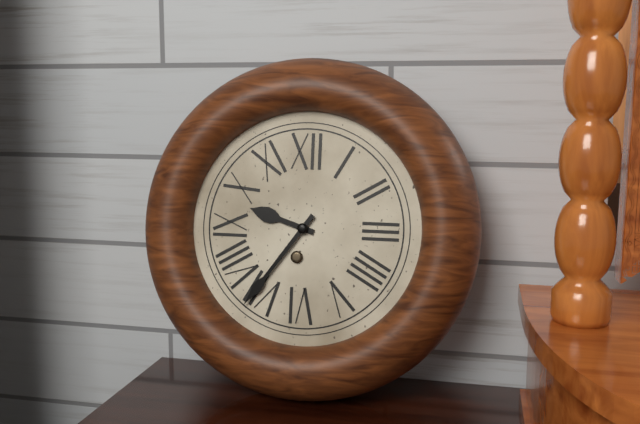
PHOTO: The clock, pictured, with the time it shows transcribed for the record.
9:36
